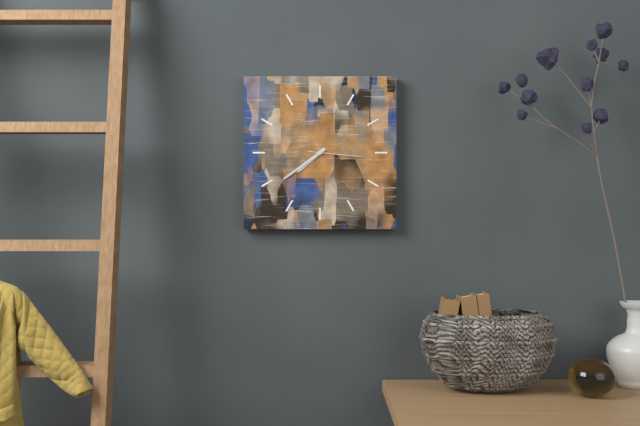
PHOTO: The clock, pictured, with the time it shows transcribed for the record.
7:39:16
